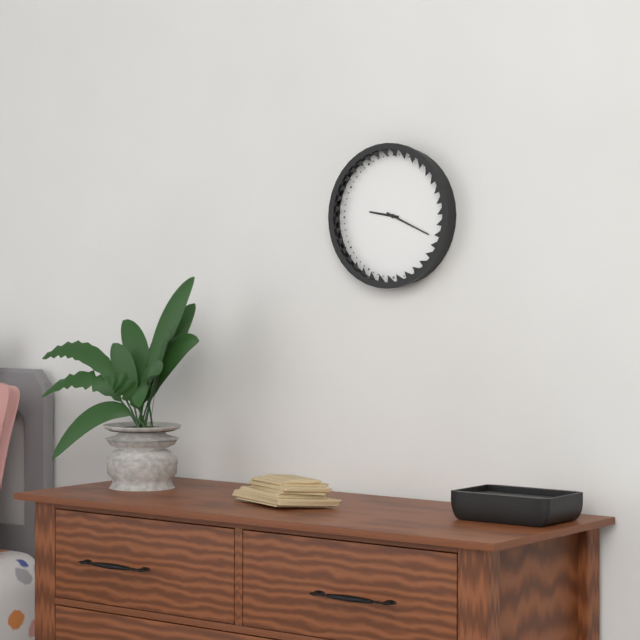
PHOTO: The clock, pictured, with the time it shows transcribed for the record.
9:19
